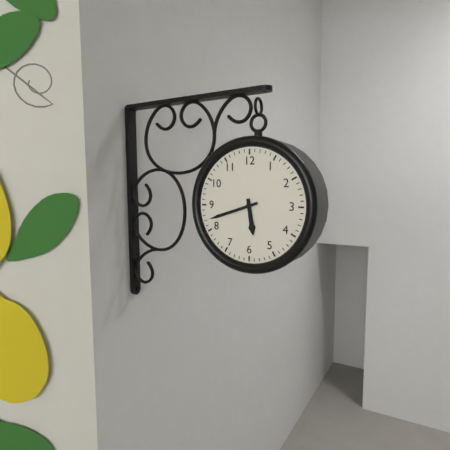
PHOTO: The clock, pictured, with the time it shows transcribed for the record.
5:42
